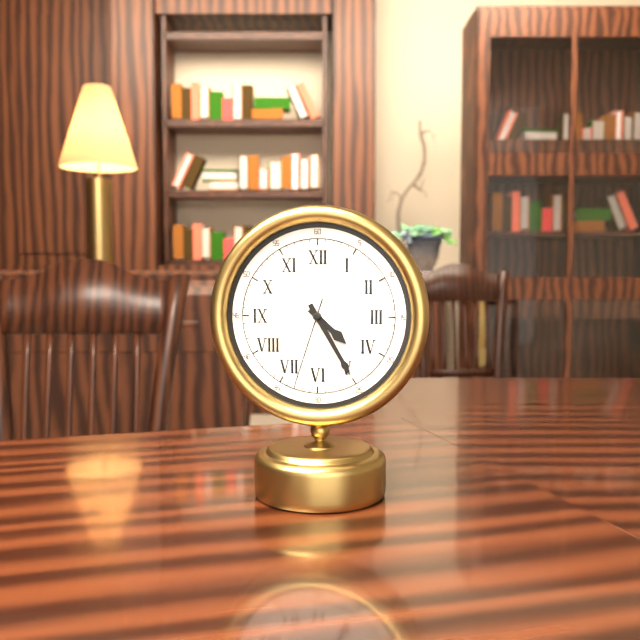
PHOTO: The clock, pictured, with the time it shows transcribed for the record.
4:25:33
